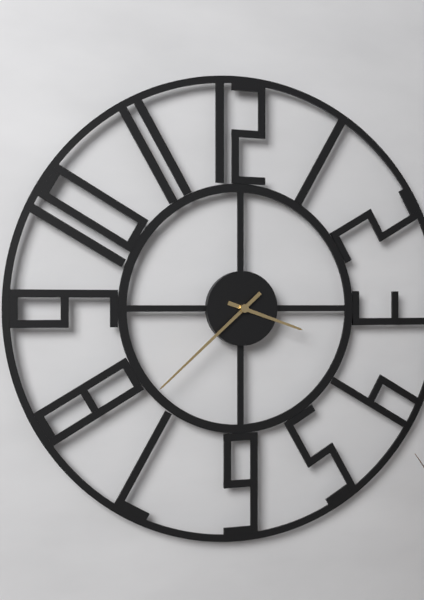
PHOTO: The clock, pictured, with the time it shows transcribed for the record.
3:38
